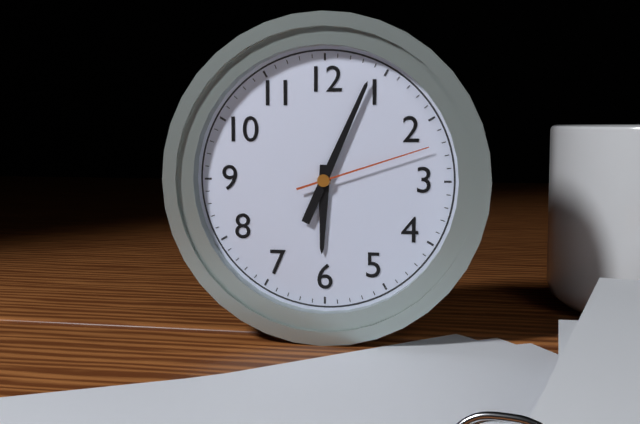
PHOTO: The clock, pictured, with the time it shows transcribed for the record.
6:04:12
